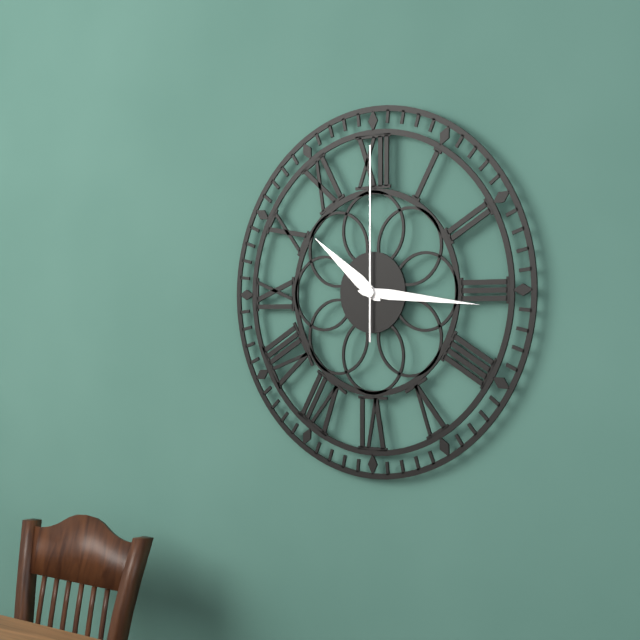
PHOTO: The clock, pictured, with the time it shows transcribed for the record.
10:16:00
